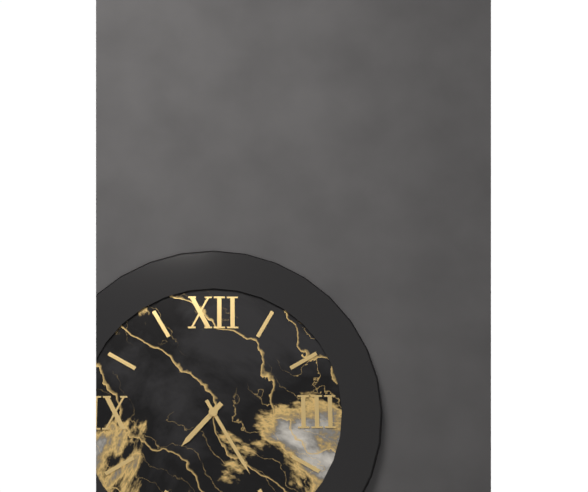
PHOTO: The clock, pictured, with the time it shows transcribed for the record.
7:25
